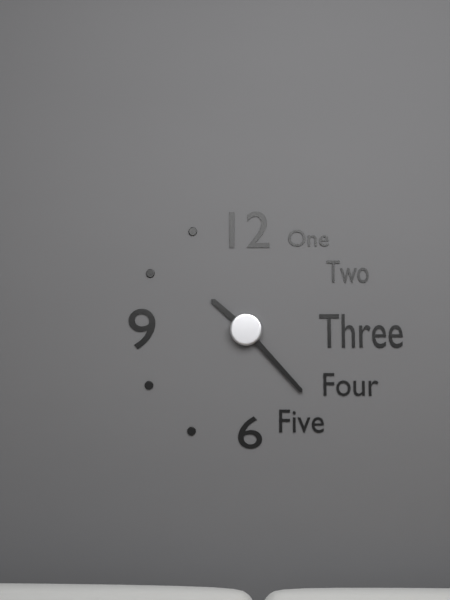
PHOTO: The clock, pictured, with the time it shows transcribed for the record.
10:23
